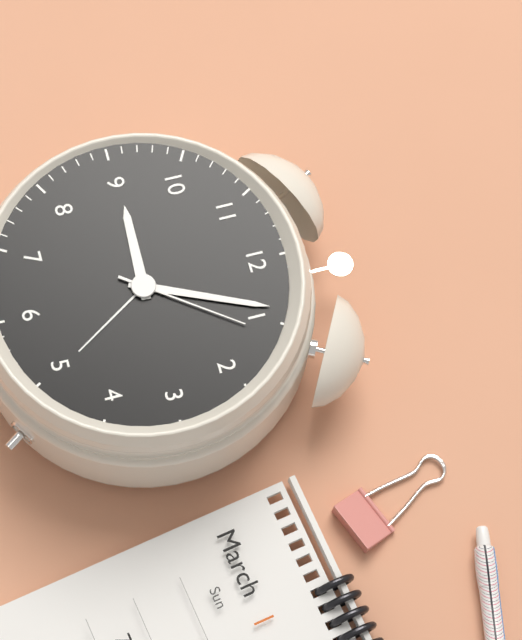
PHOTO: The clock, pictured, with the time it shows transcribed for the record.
9:04:06
